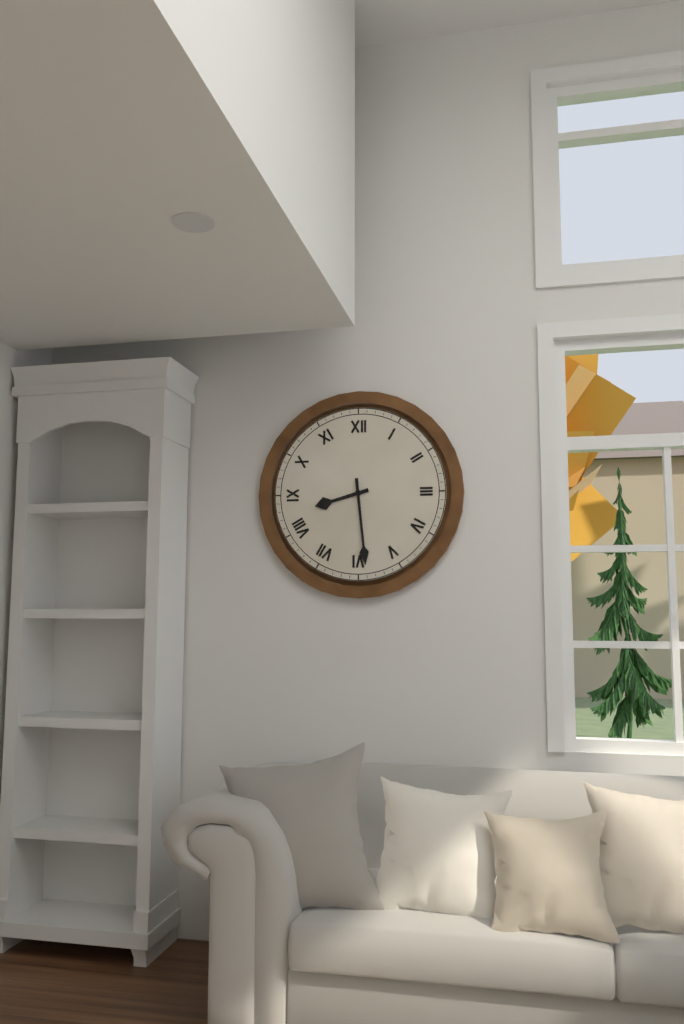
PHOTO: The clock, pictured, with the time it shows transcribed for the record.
8:29
